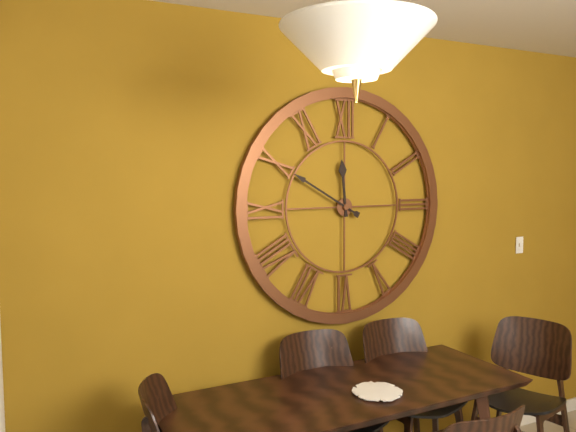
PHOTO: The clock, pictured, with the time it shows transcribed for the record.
11:50
